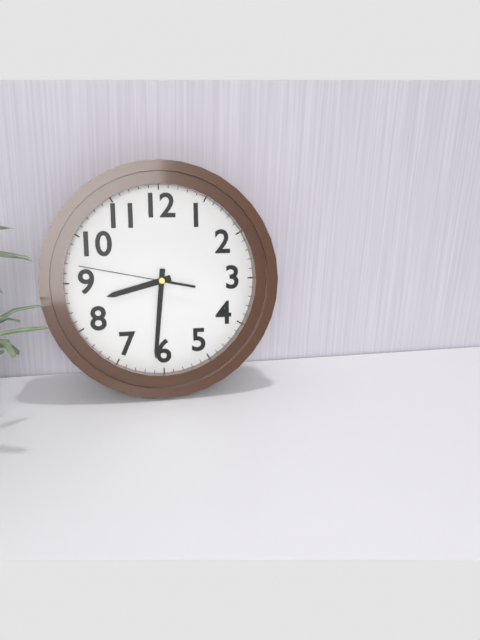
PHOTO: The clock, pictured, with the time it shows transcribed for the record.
8:31:47
